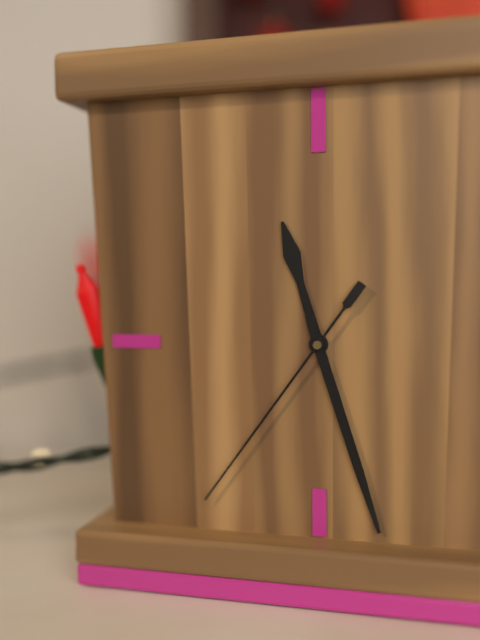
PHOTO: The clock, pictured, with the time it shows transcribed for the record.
11:27:36
